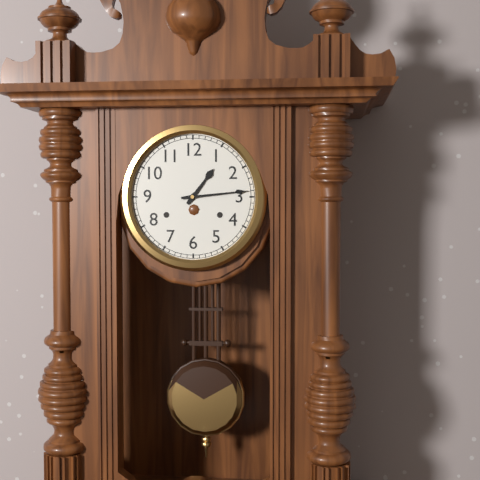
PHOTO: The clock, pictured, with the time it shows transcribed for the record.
1:14
